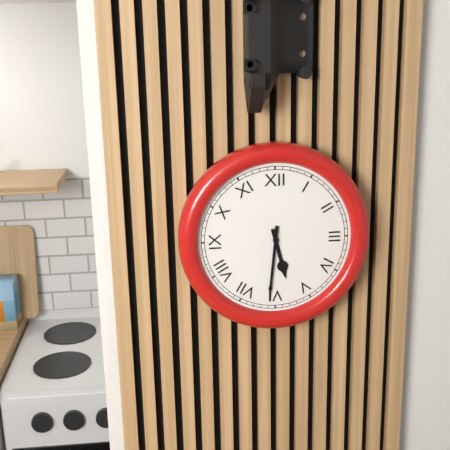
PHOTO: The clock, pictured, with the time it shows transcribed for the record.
5:31
